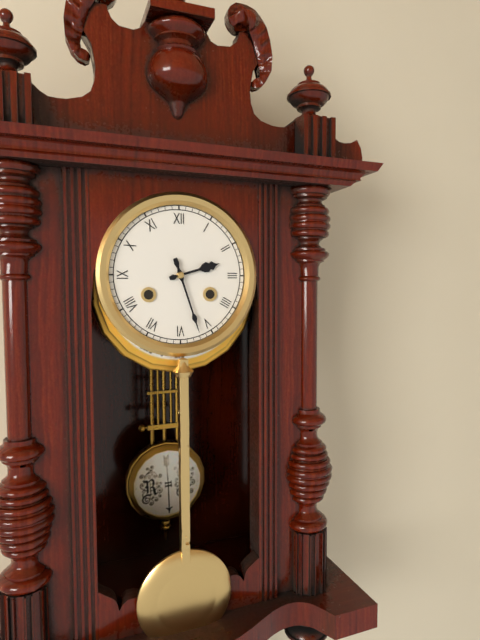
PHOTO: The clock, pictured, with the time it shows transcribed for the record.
2:27
